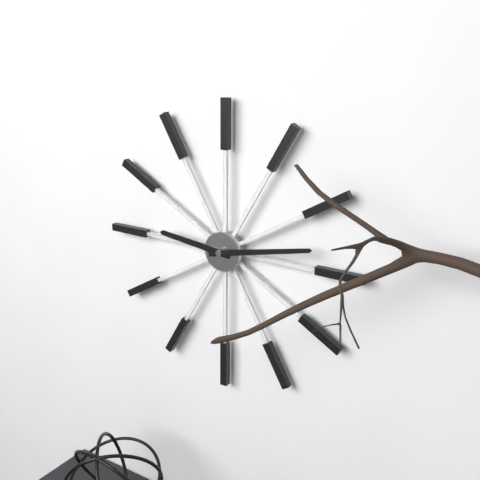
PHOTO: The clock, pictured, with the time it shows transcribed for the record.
9:13
